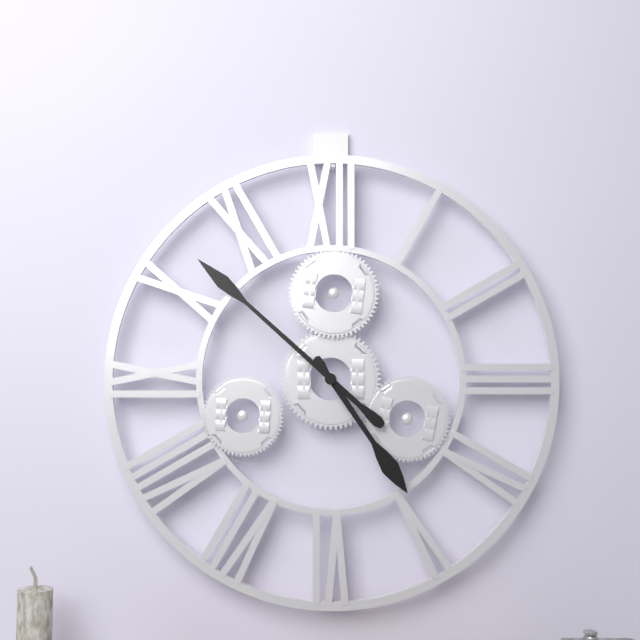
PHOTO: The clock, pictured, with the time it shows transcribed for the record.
4:52
